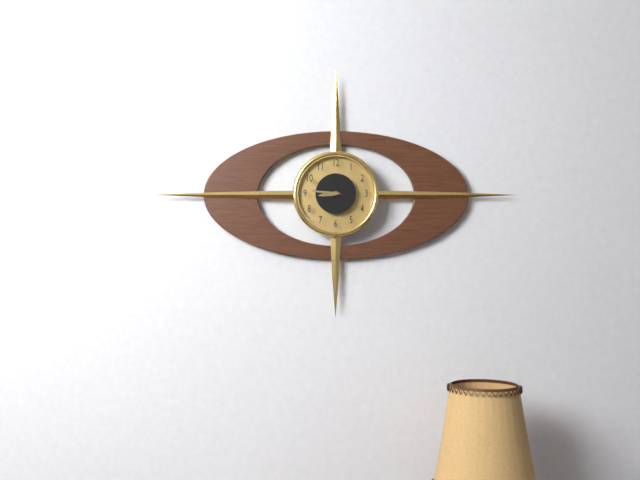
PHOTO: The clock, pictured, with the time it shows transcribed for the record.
8:46
